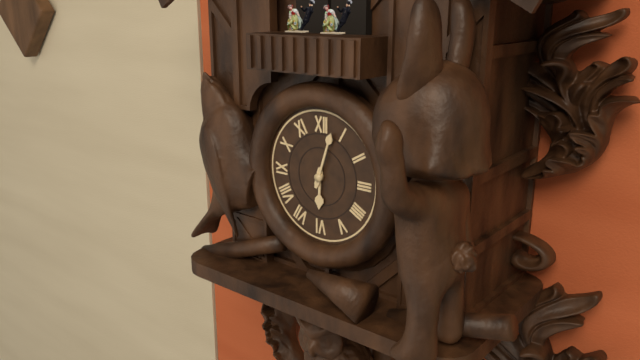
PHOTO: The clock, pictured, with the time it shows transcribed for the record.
6:03
